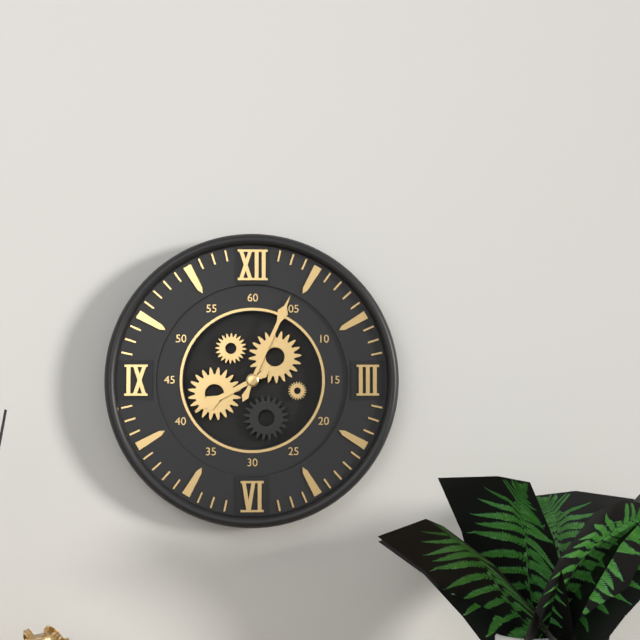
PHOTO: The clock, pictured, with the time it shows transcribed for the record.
8:04
